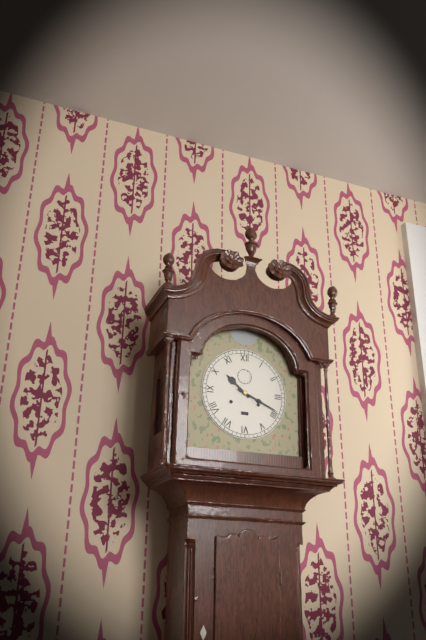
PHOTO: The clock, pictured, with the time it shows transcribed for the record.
10:19
